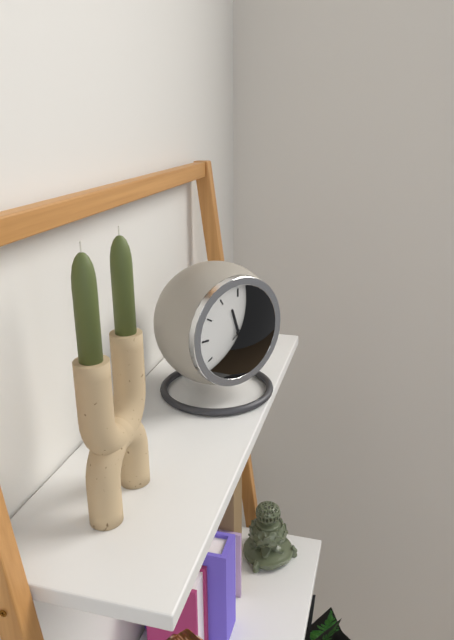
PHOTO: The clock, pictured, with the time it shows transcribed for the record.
11:26:09
